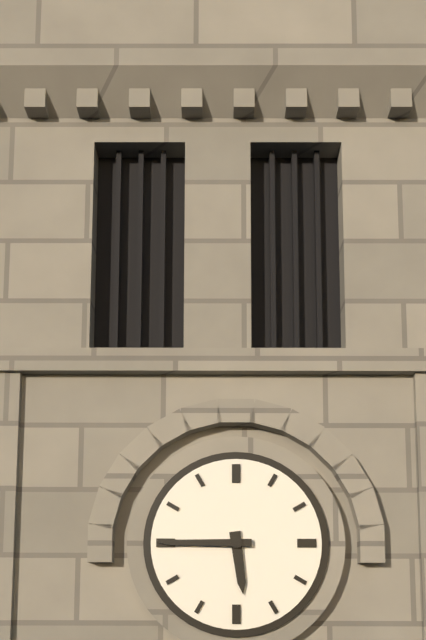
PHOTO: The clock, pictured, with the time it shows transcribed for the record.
5:45
